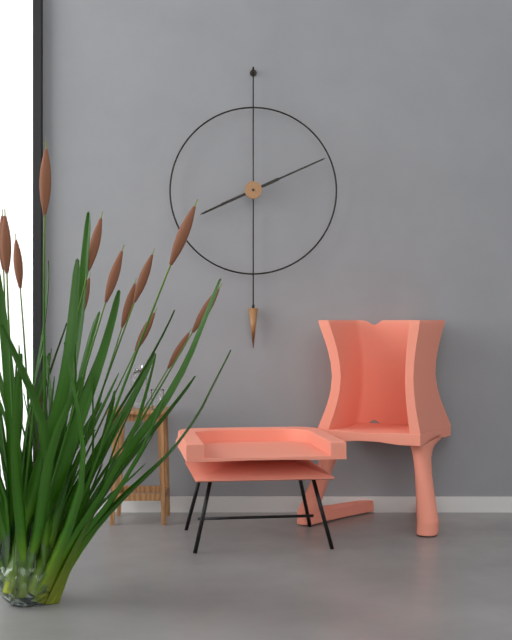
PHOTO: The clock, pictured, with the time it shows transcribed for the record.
8:11
